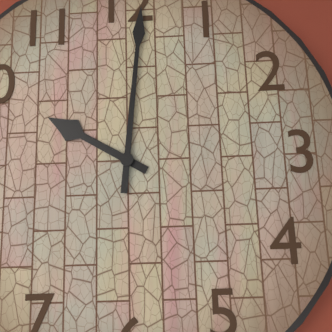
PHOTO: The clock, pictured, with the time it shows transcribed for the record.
10:01
